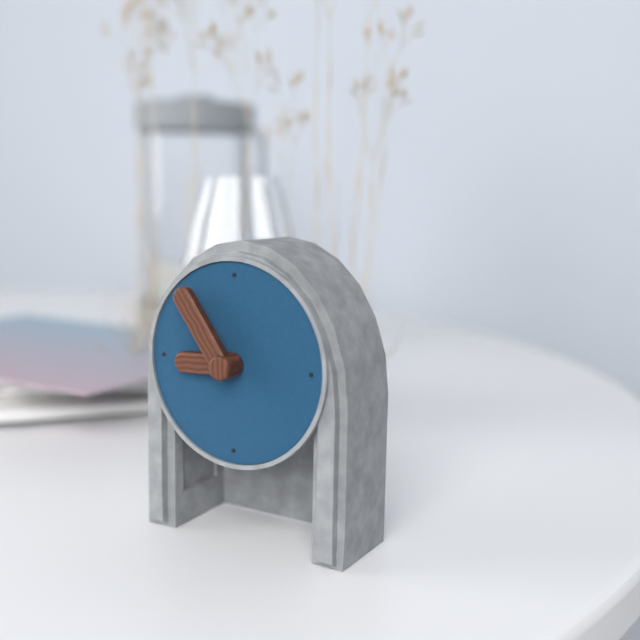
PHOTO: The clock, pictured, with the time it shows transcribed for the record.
8:54
